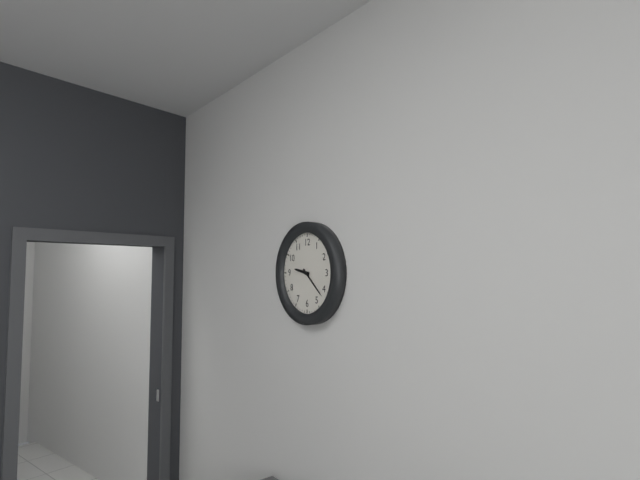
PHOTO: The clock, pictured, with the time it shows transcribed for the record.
9:22
